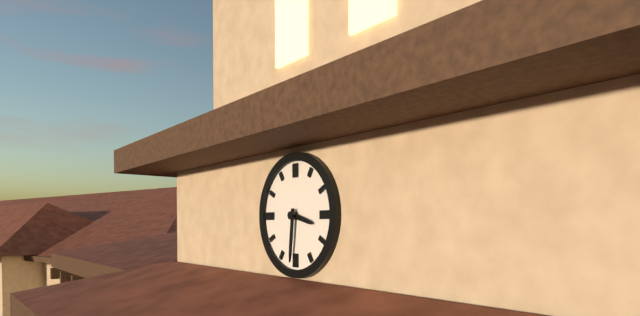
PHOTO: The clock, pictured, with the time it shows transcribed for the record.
3:31
